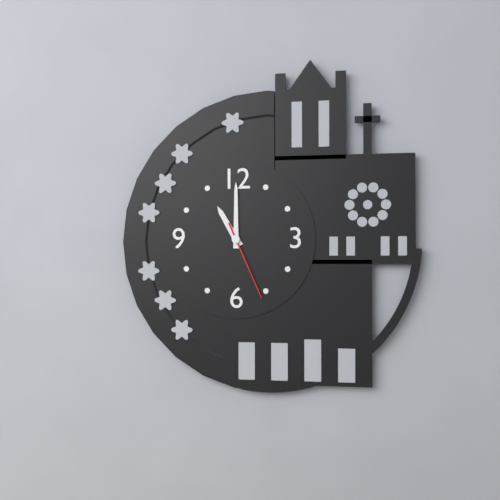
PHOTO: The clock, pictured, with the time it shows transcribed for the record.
11:00:26
